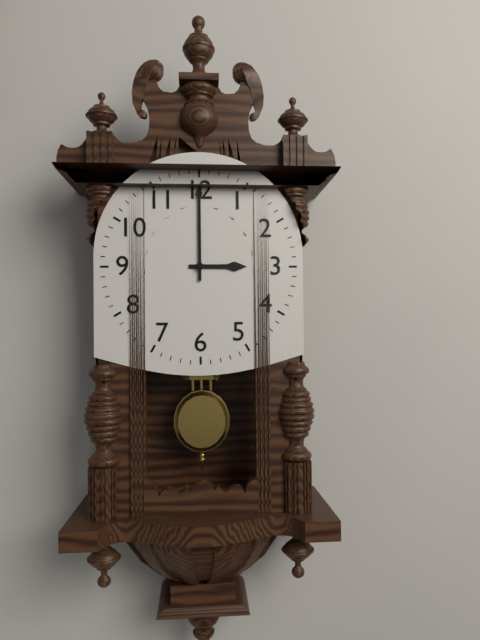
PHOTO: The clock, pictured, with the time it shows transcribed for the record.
3:00
